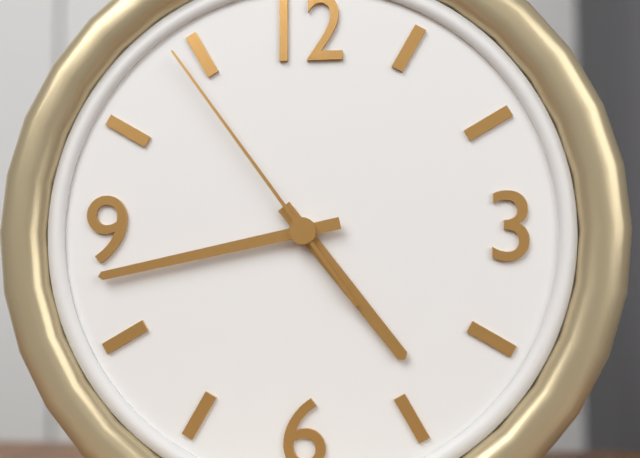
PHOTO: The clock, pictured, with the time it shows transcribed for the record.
4:43:54
